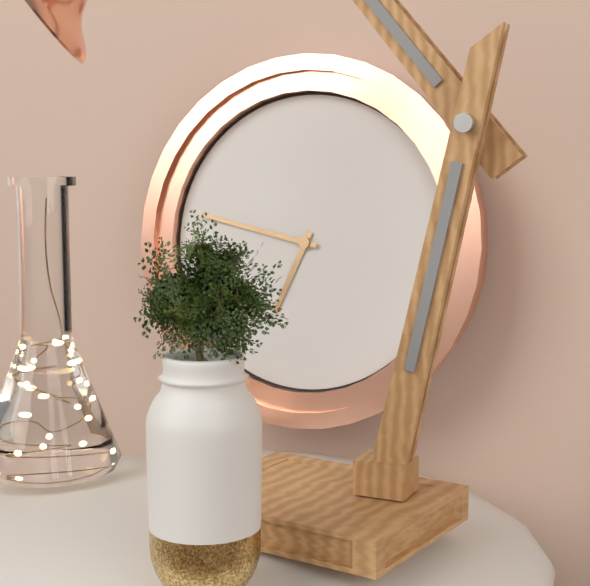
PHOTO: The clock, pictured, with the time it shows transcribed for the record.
6:47
